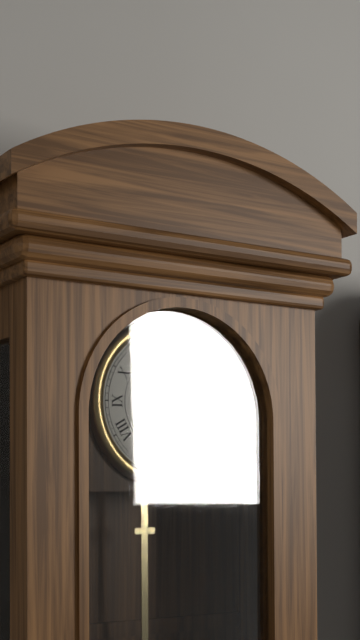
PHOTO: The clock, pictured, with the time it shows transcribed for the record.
5:03
